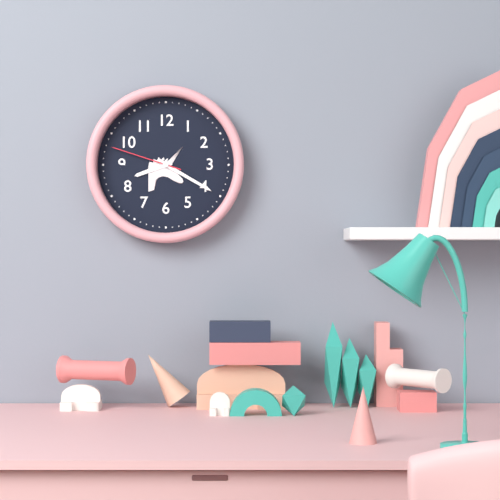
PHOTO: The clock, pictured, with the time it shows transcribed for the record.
8:20:48
